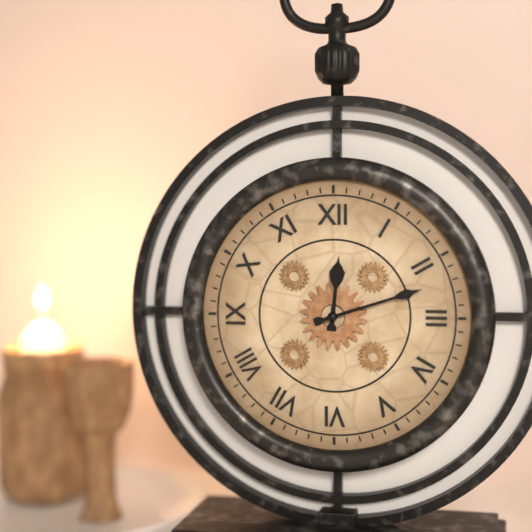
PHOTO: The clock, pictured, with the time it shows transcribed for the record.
12:12
